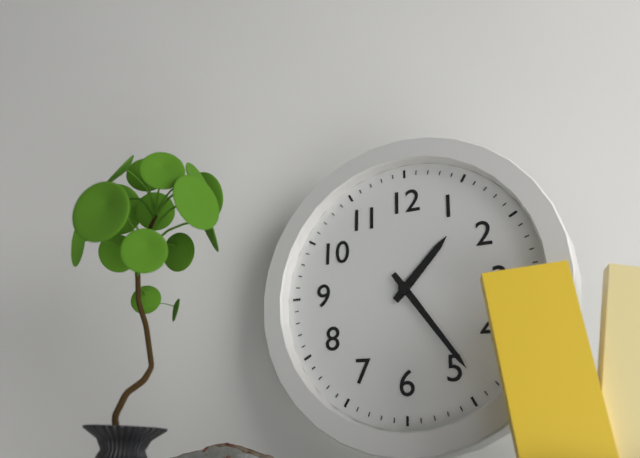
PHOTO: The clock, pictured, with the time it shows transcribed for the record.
1:24
